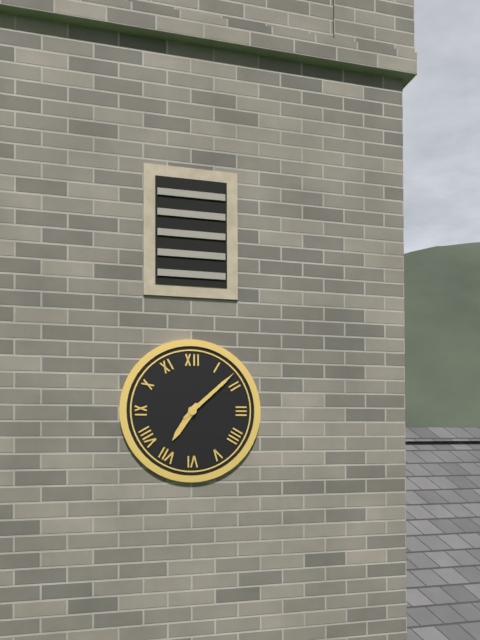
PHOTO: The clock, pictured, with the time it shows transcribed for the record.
7:08
